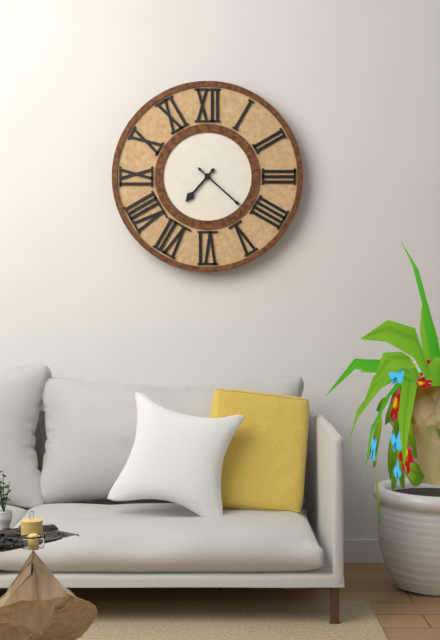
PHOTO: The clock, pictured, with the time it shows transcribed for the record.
7:22
